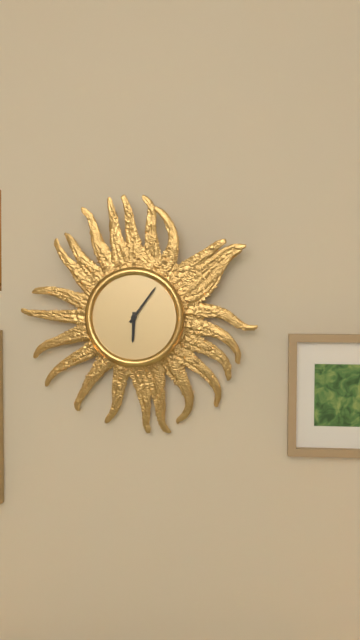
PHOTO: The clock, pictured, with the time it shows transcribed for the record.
6:06
